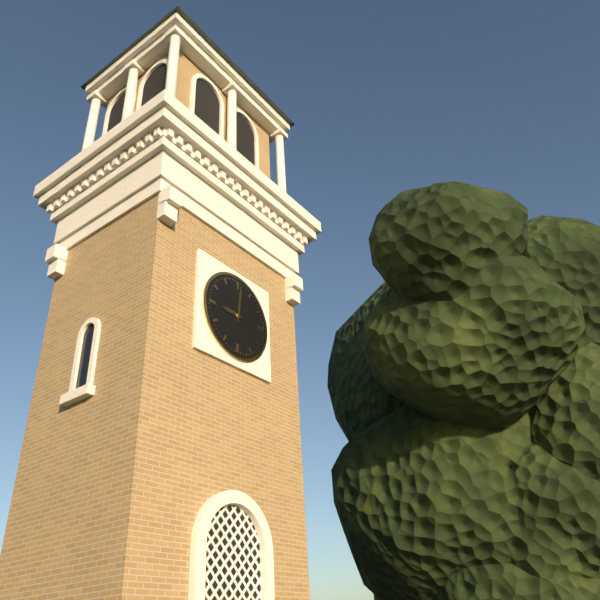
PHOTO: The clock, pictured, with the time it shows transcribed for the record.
9:01
